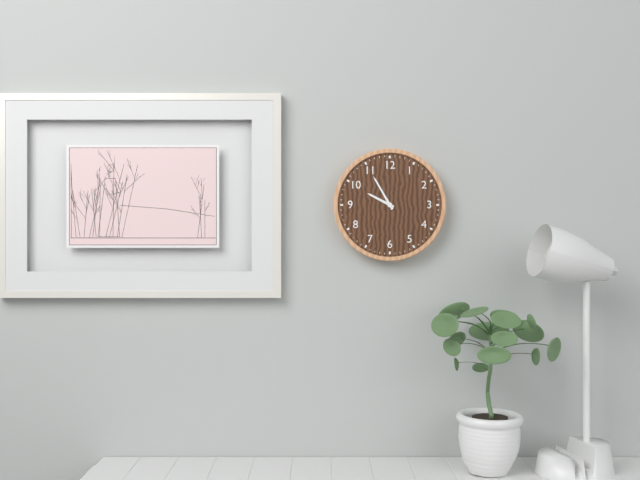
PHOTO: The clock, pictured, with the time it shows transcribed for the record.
9:55
